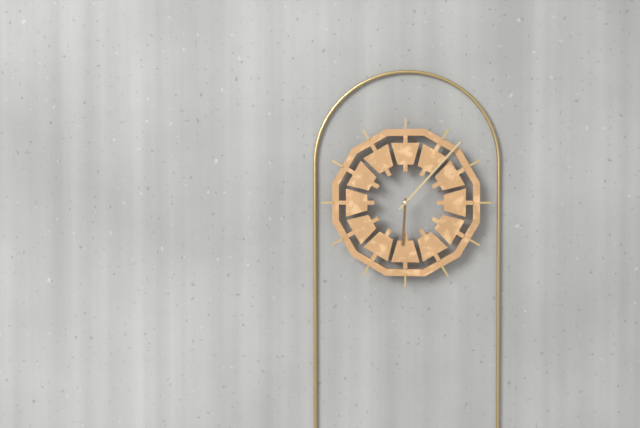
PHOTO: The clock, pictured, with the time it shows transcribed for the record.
6:07
